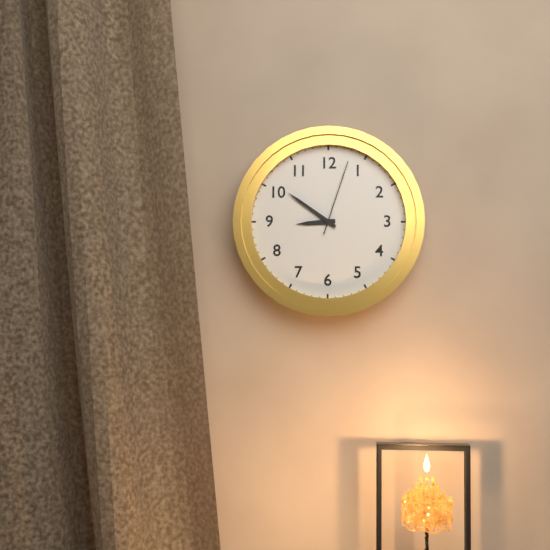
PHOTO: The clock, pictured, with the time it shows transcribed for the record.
8:51:03
